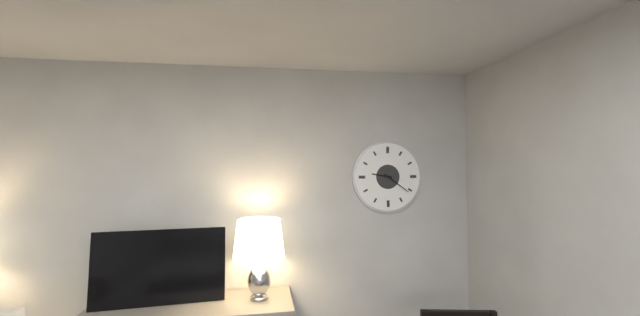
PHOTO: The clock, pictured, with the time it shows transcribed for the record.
9:21
